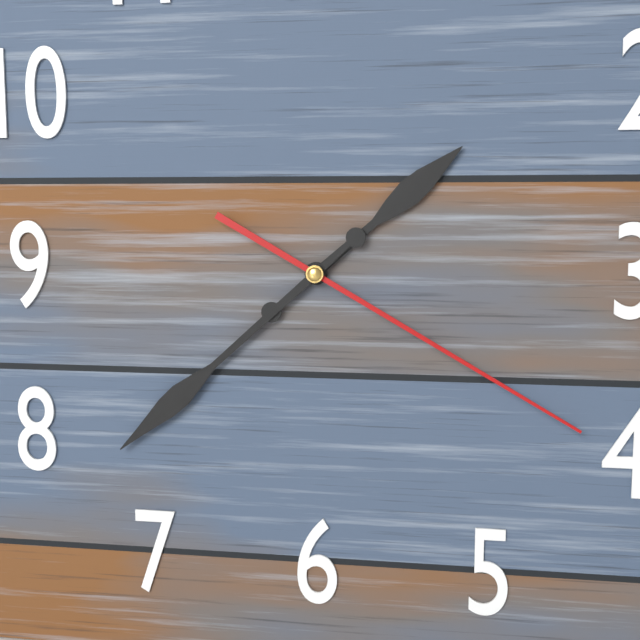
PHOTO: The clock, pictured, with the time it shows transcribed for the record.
1:38:20
